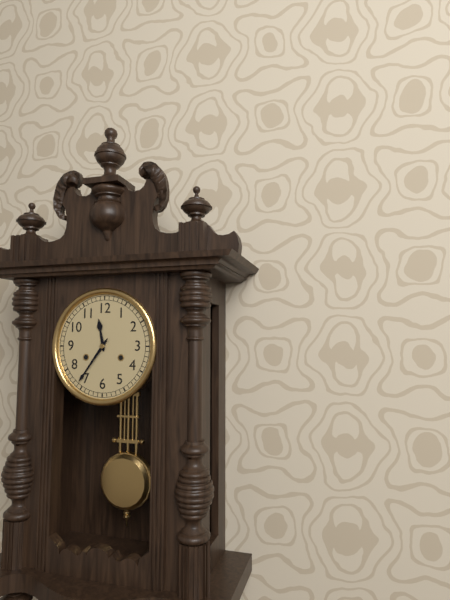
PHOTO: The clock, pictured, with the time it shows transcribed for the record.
11:36
